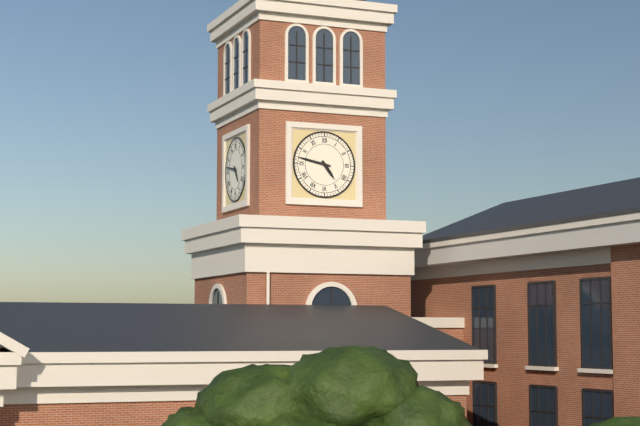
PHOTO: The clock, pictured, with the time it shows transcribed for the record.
4:47
